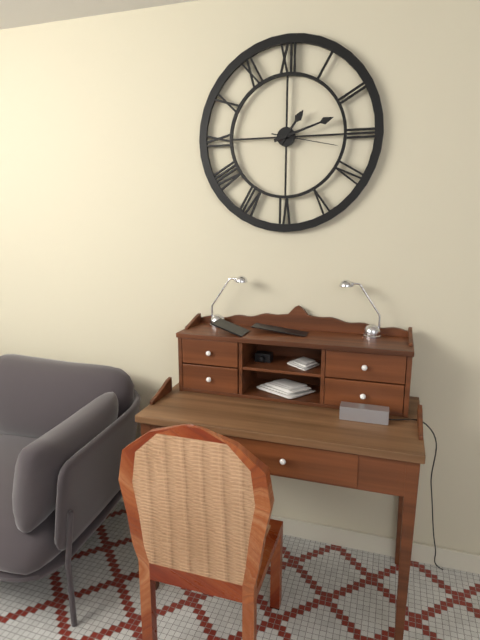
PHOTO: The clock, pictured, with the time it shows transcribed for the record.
1:12:17
